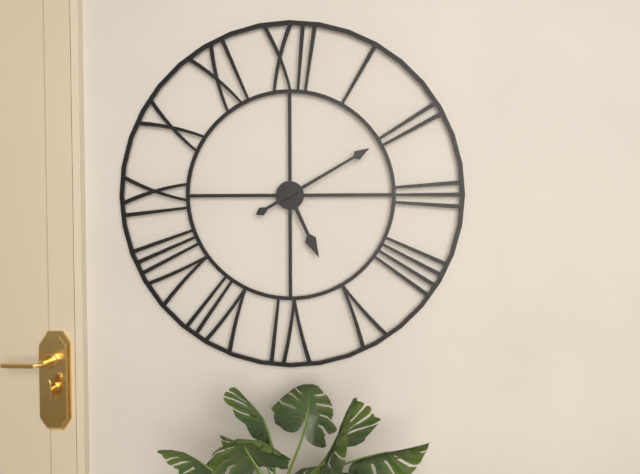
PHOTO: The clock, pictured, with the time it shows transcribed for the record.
5:10
